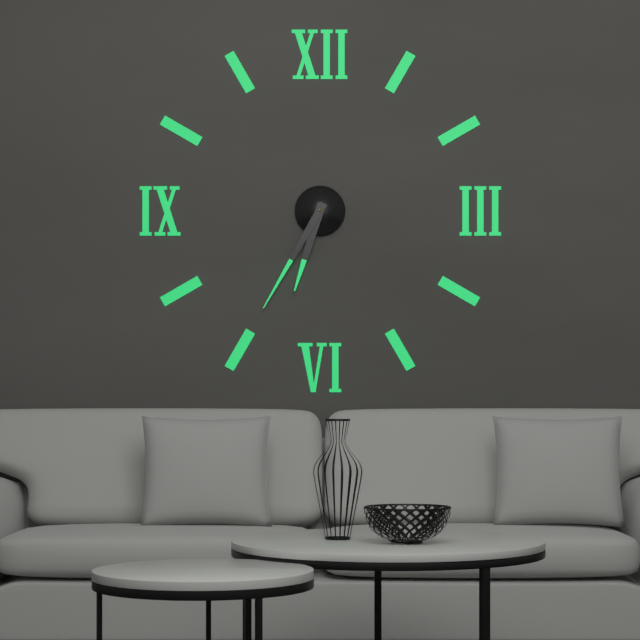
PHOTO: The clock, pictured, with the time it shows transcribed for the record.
6:35
